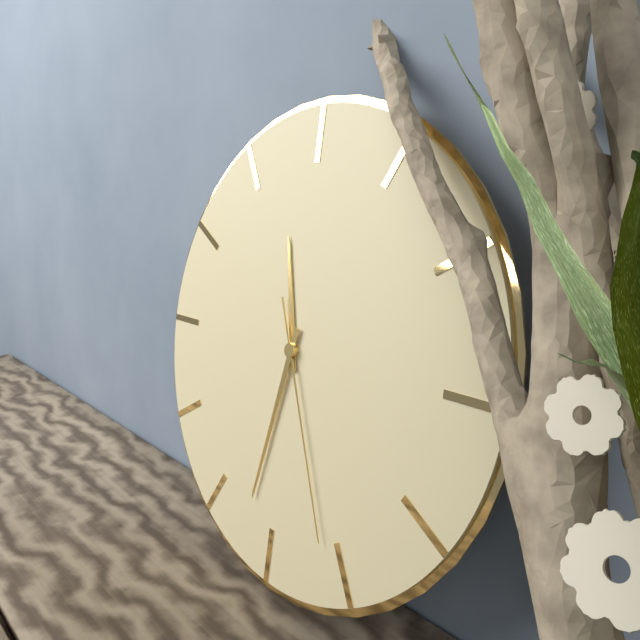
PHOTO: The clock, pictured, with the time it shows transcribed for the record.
11:32:26
